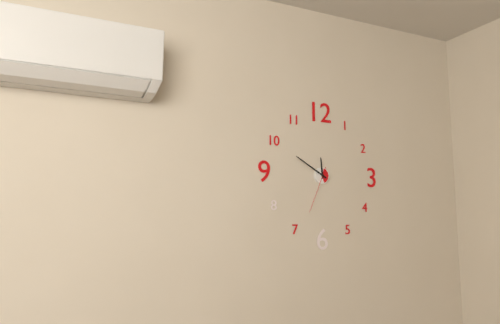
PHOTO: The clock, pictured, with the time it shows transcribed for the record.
11:50
